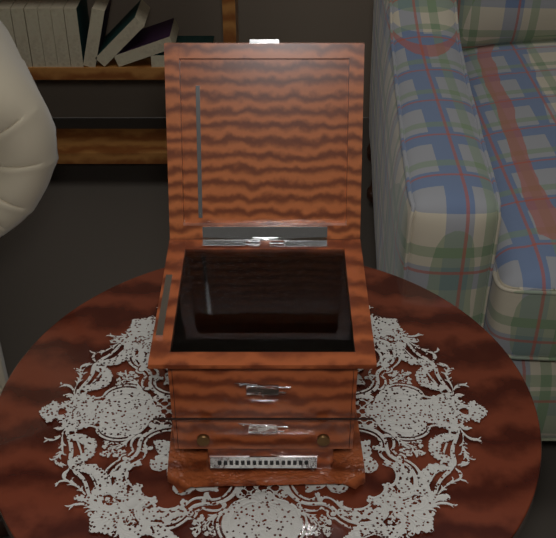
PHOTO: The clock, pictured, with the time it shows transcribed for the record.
7:08
